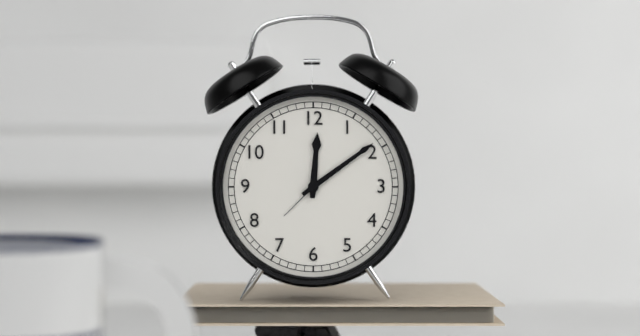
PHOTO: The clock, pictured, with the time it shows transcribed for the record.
12:09
